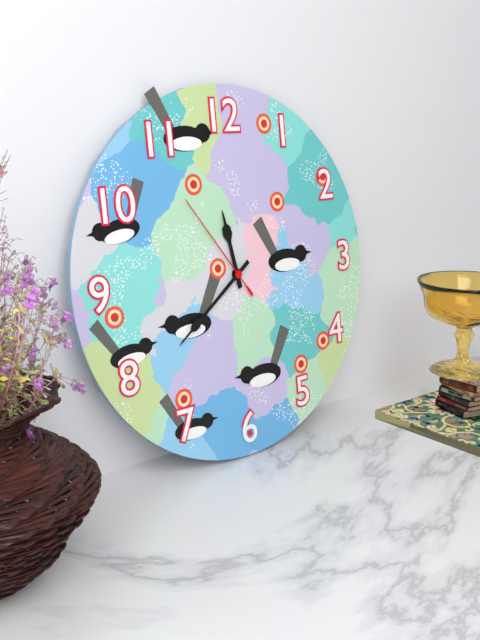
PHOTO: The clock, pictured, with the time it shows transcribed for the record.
11:39:54
